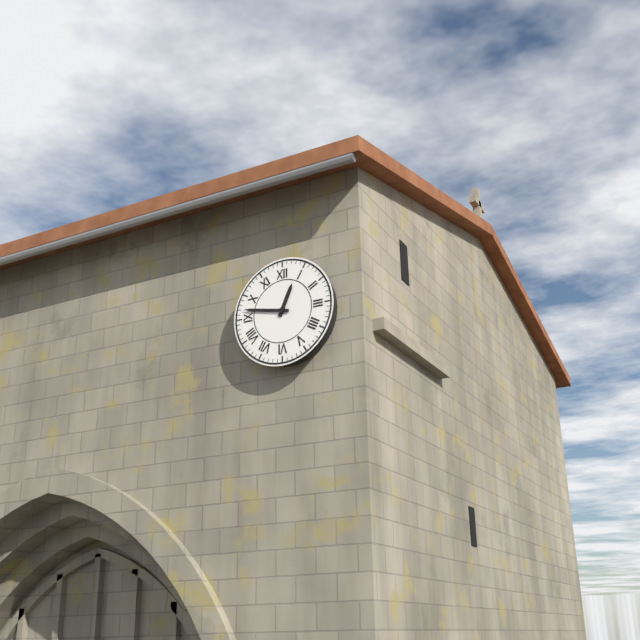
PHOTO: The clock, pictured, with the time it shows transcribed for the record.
12:47
